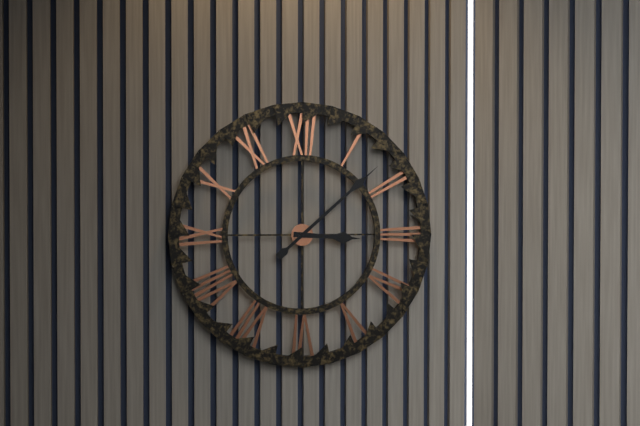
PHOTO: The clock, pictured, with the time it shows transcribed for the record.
3:08
